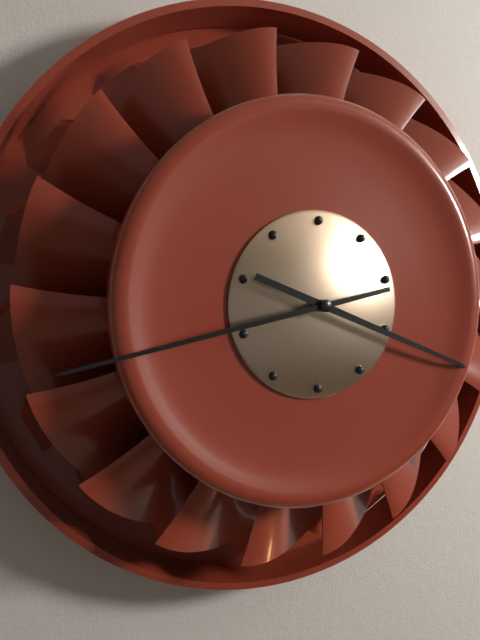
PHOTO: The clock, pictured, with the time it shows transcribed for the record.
3:43
